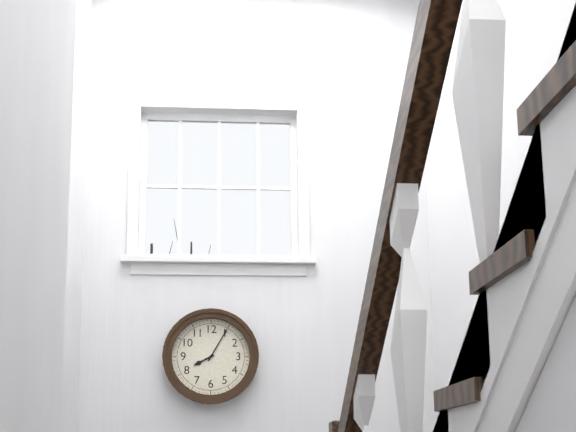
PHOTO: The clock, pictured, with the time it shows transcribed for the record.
8:05
